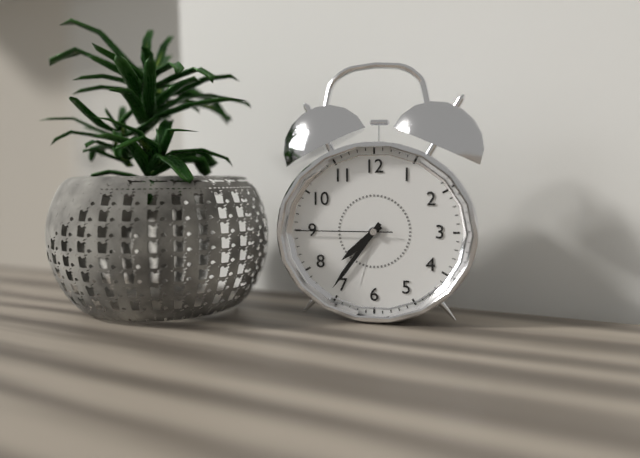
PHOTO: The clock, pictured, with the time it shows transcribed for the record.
7:36:45
